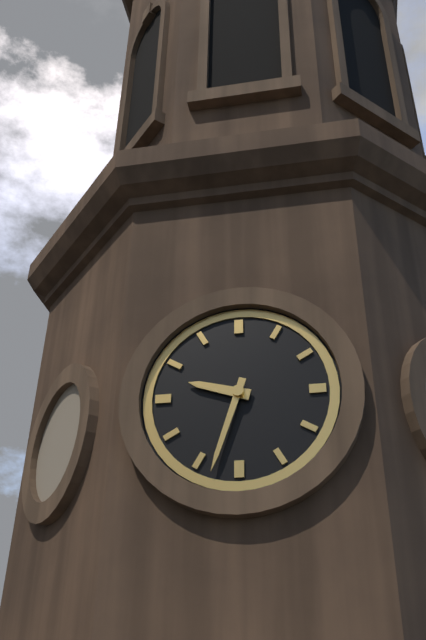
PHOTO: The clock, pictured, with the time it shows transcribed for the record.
9:33
